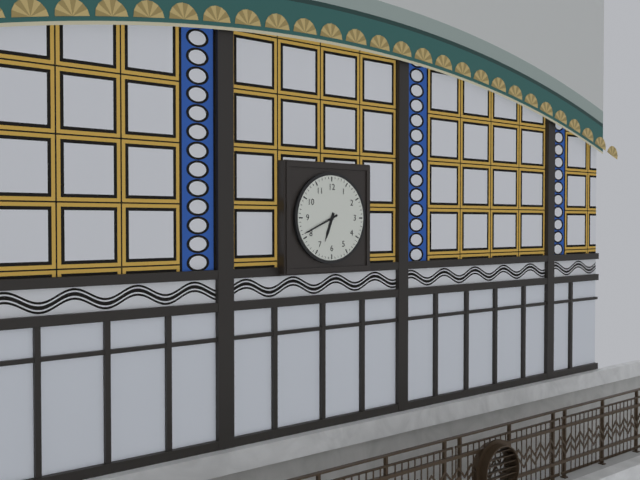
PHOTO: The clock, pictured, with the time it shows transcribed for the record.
6:41
